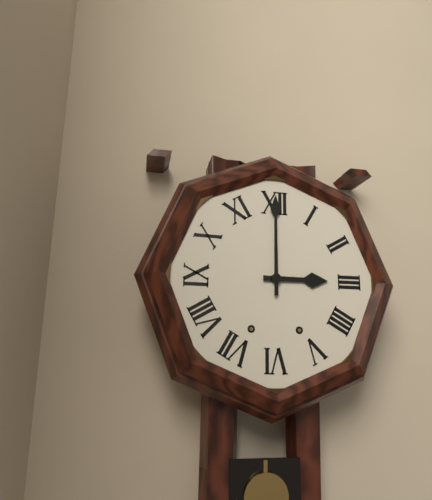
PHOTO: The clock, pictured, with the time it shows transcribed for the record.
3:00
